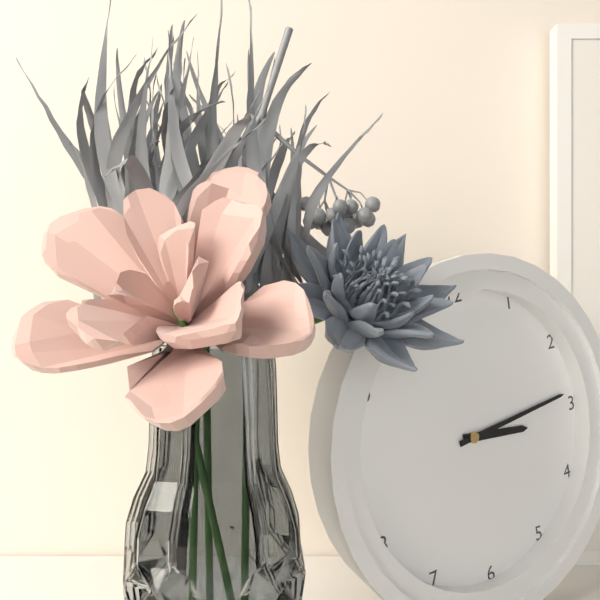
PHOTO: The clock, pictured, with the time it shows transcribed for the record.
3:14
